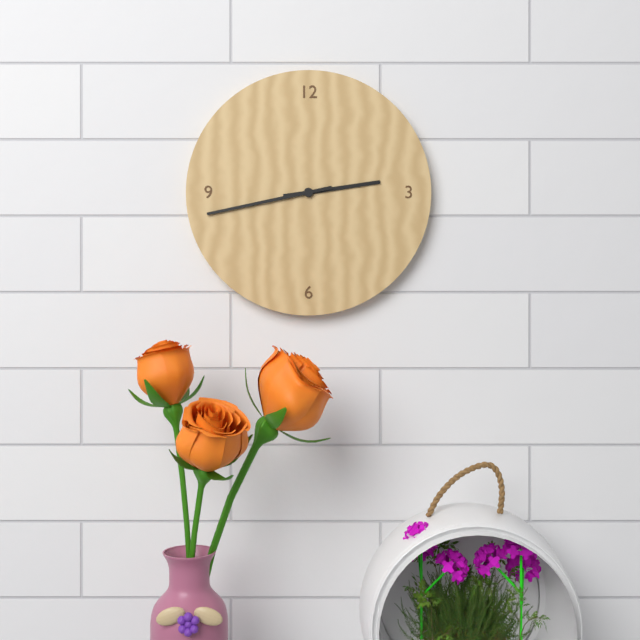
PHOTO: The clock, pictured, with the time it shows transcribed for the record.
2:43
